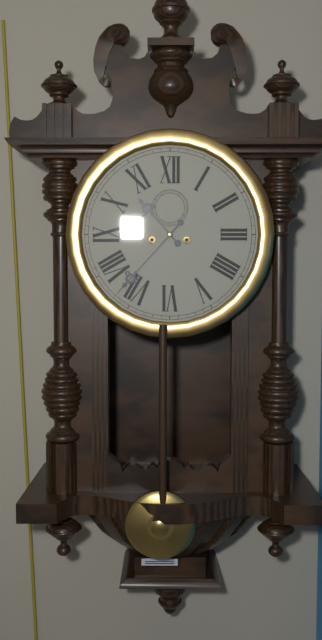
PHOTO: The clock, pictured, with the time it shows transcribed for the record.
10:37
